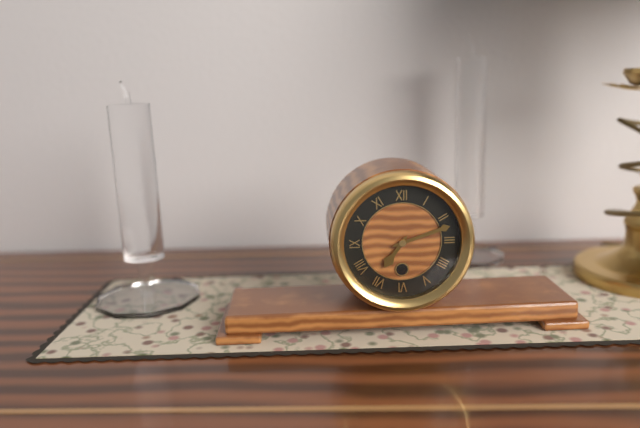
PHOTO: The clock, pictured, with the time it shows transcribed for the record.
7:12
